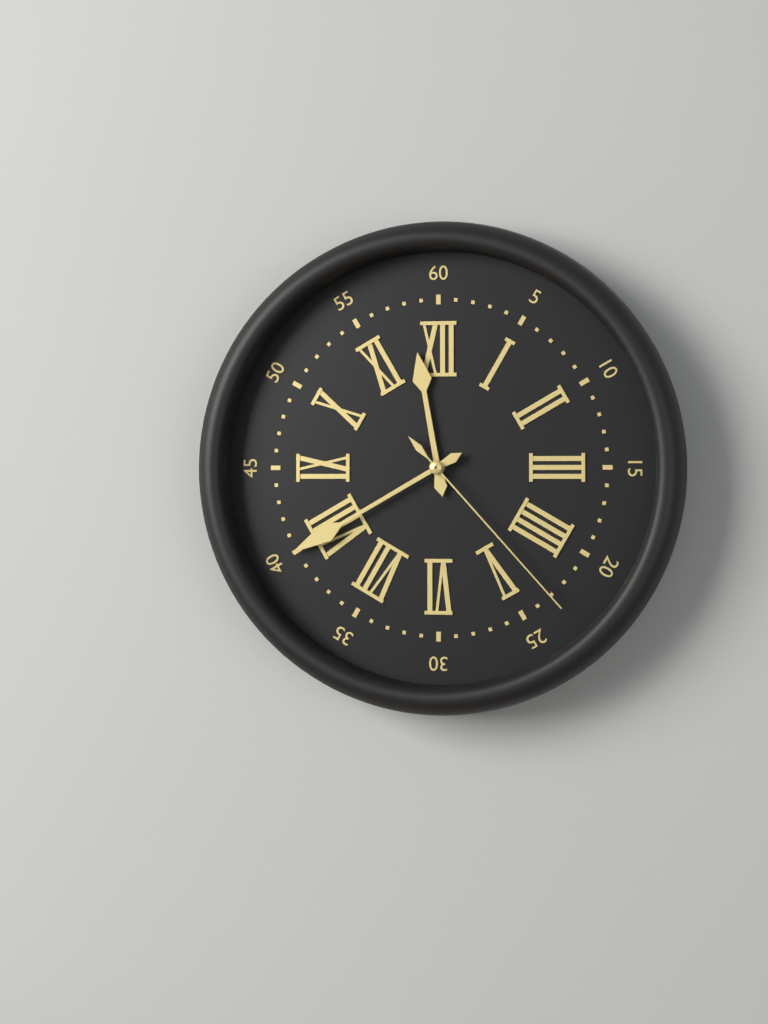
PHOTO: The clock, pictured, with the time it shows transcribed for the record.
11:40:23
